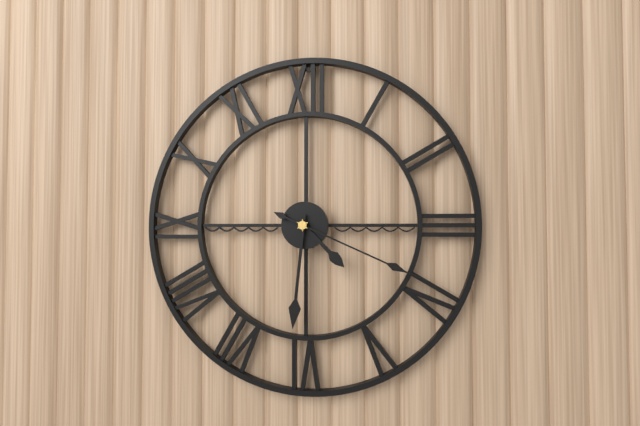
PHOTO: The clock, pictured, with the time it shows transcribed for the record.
4:31:19
